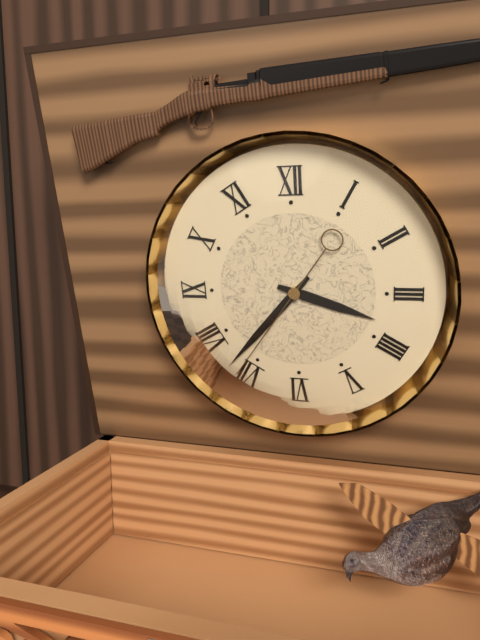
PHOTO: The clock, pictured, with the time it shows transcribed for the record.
3:37:36
